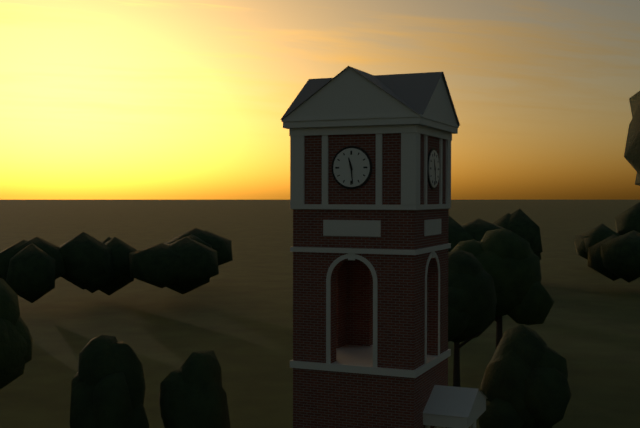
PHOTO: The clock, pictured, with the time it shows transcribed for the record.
11:29
